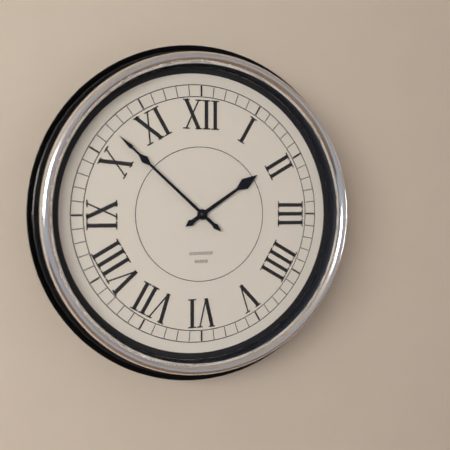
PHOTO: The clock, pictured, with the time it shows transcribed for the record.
1:52
